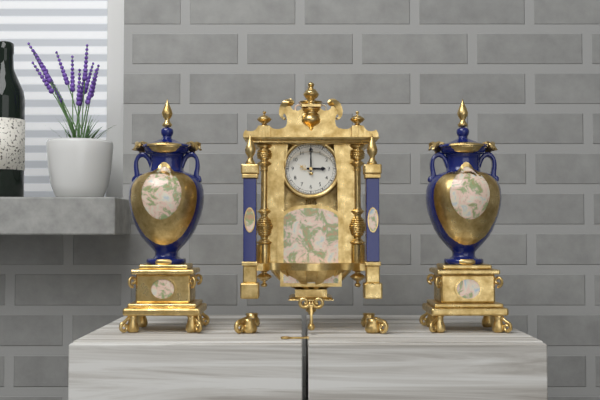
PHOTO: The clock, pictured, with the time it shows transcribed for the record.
3:00
